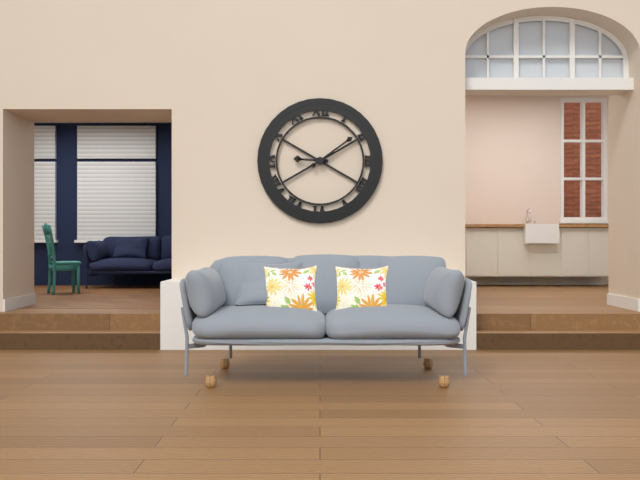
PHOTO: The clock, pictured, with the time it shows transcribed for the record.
9:09
